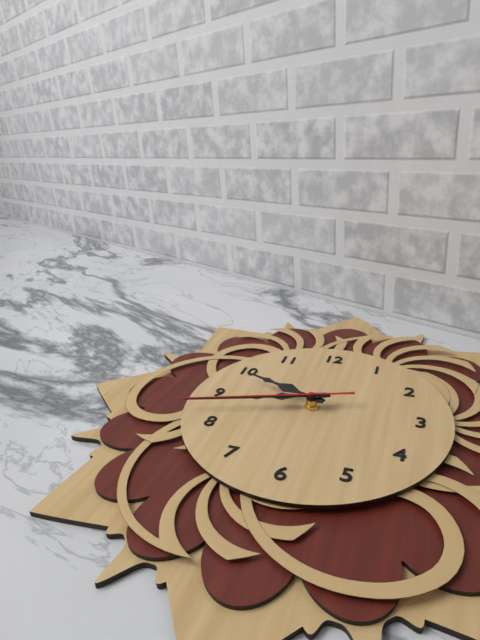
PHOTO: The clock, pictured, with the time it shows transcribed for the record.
9:42:42
